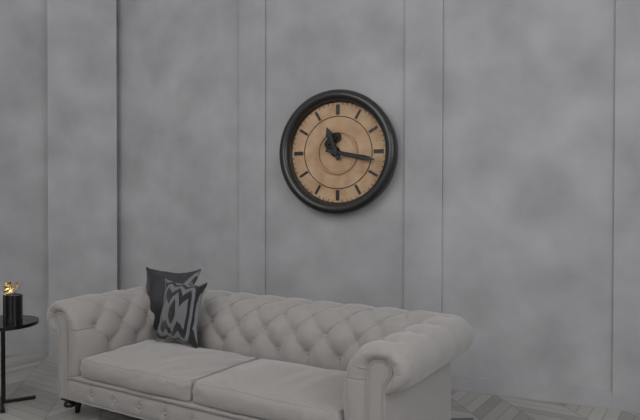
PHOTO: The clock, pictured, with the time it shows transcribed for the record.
11:17
